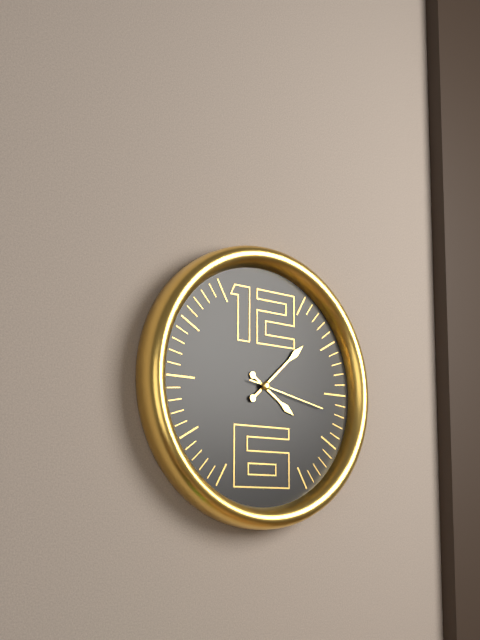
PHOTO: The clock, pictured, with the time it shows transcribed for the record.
4:08:17
